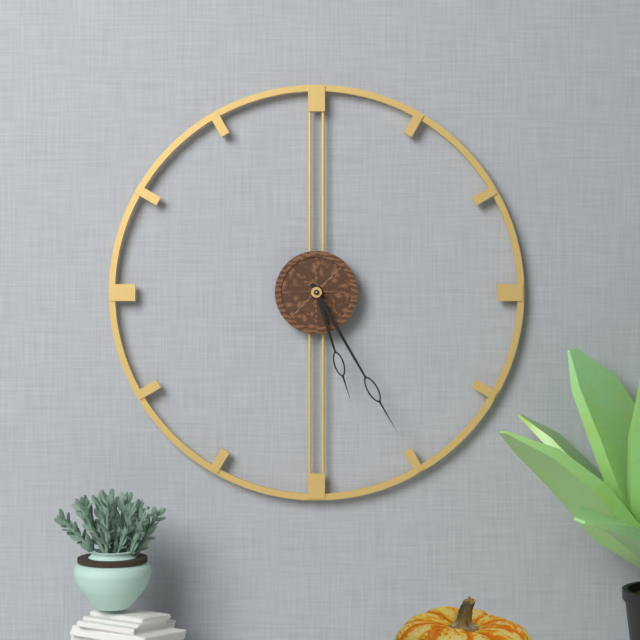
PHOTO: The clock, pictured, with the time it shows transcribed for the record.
5:25
